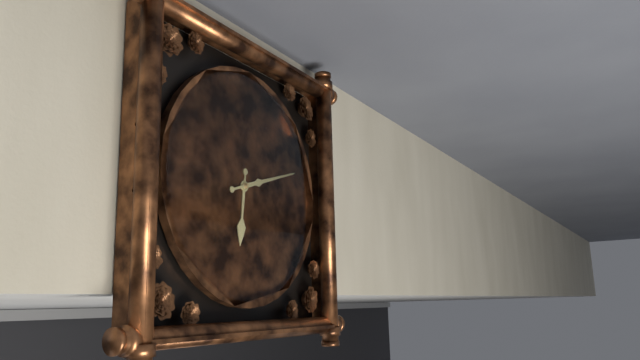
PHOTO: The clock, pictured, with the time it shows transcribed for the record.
6:12
